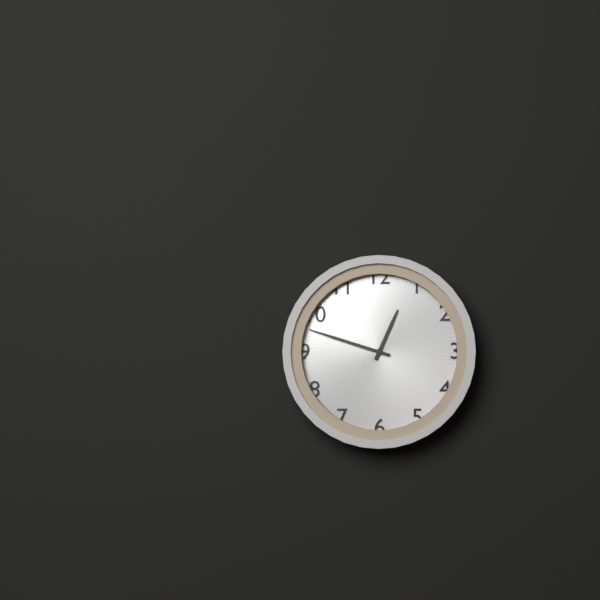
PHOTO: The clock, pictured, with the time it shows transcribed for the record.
12:48
